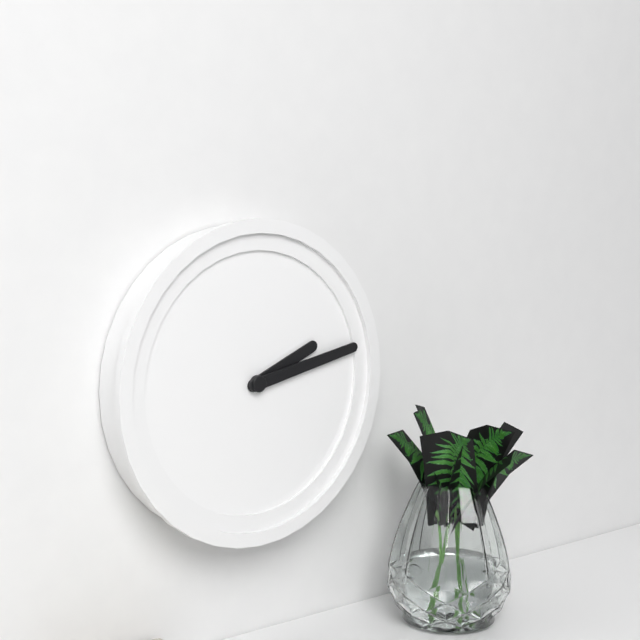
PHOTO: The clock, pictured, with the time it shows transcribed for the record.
2:13
